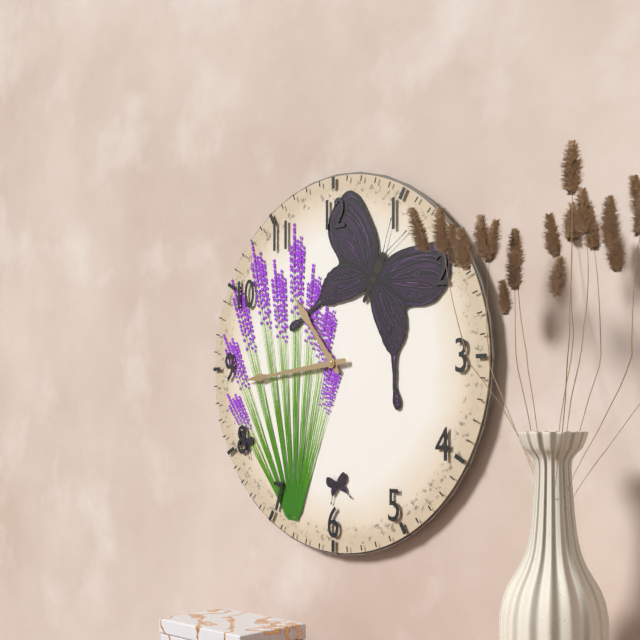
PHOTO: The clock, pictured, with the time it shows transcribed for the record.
10:44
